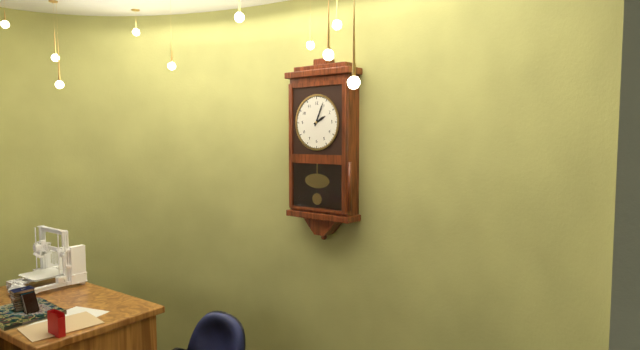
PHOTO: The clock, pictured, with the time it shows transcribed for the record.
2:04
